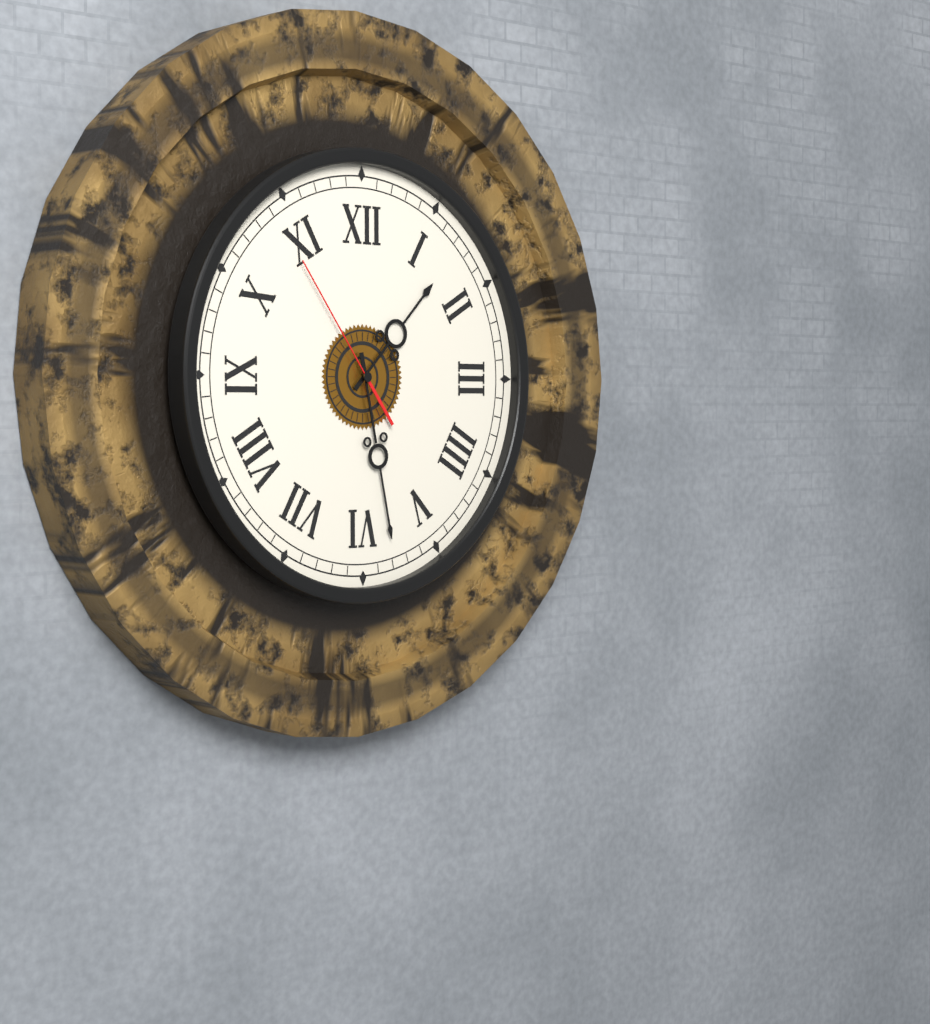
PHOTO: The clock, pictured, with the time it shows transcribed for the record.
1:28:54
